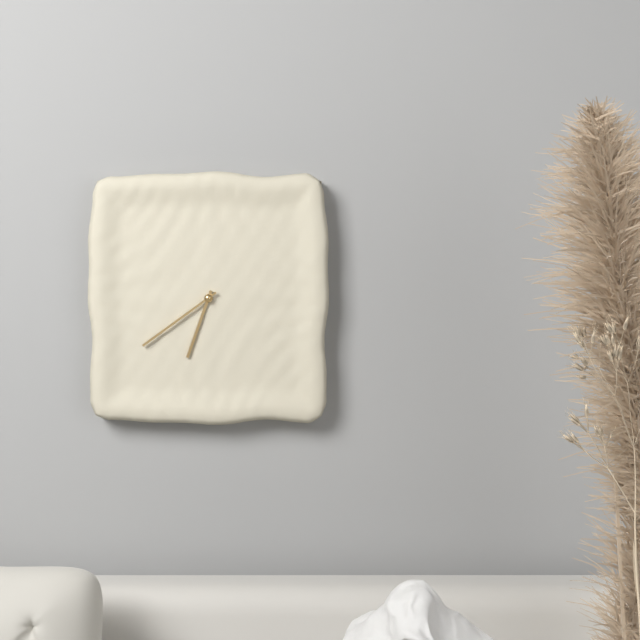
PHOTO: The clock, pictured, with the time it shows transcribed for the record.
6:39
